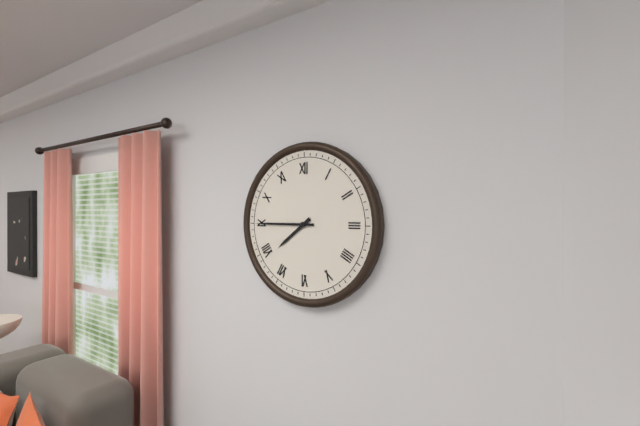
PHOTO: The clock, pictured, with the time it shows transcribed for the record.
7:45
